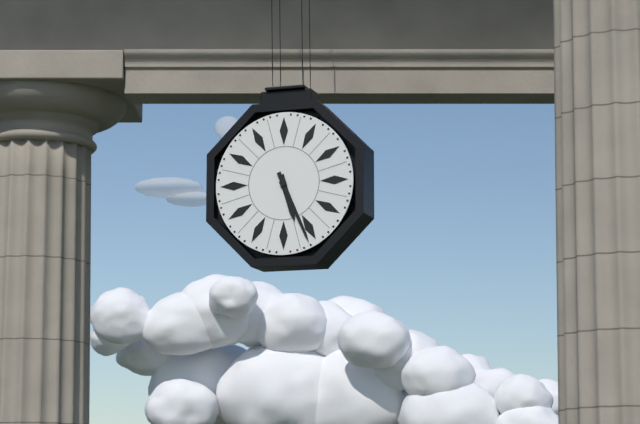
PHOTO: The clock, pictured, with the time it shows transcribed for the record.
5:26
